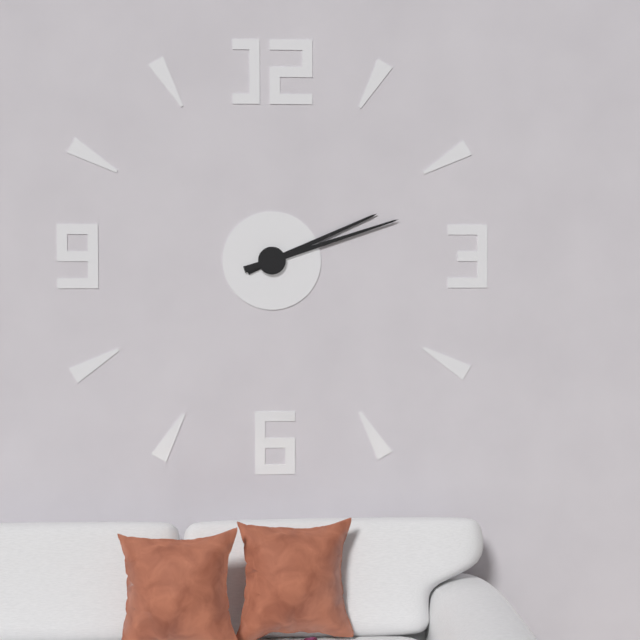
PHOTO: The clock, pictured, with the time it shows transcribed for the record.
2:12
